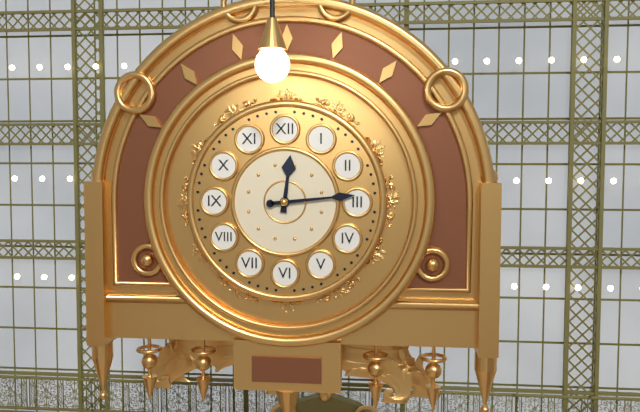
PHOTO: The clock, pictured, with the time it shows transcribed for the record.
12:14
